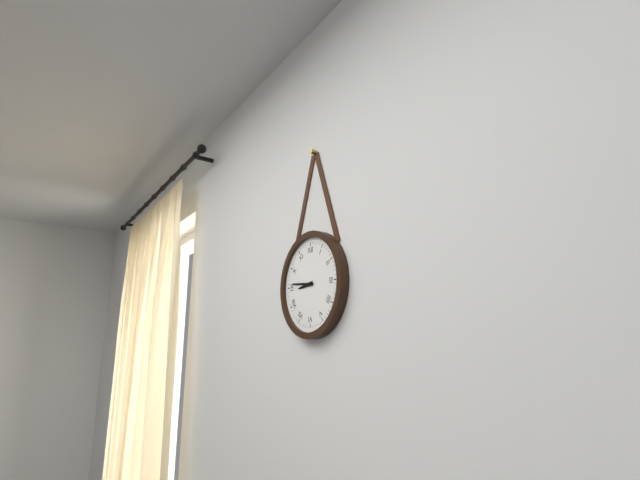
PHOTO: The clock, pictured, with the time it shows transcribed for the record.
8:46
